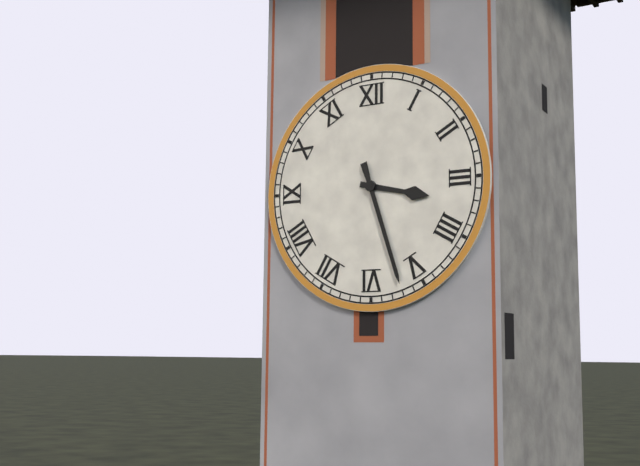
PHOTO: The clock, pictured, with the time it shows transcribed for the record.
3:27
